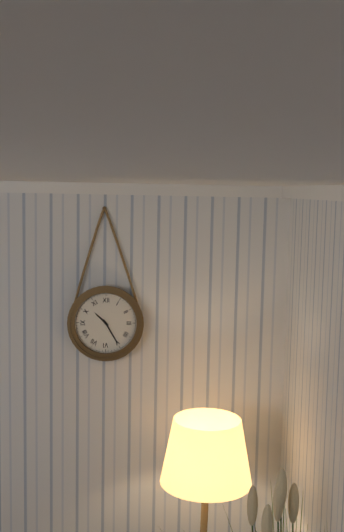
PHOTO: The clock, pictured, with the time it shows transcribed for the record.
10:25
